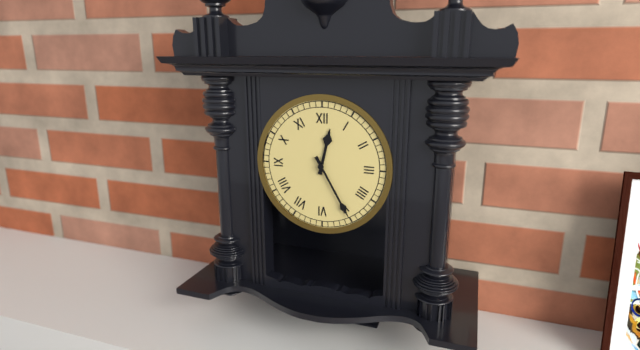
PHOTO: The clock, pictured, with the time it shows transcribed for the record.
12:25
